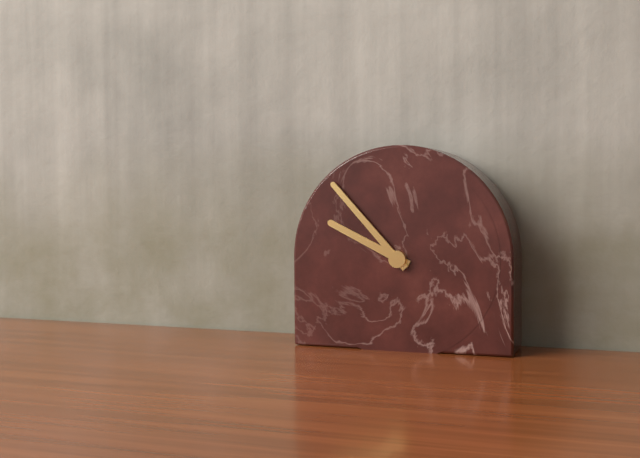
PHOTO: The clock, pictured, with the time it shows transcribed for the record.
9:53
